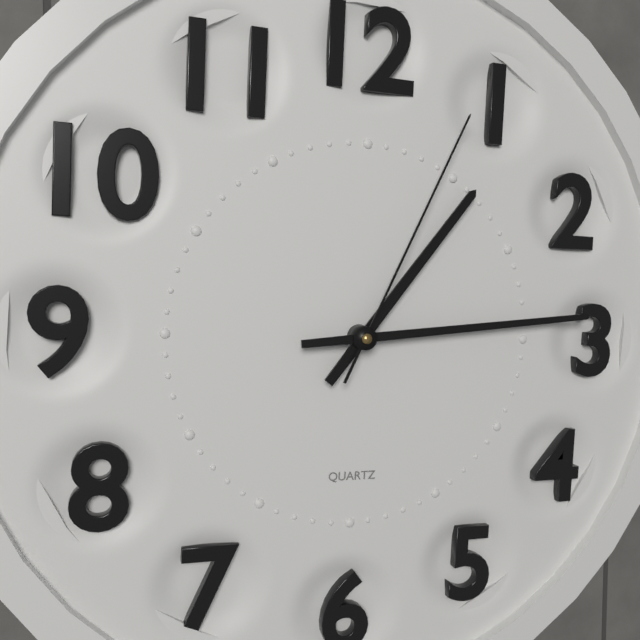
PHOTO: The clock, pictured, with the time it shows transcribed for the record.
1:14:04
